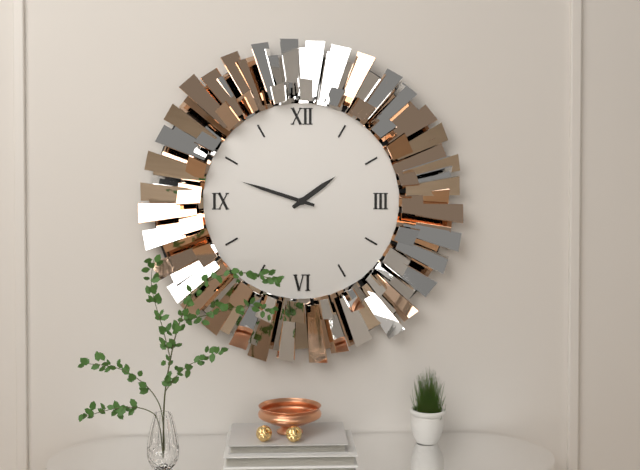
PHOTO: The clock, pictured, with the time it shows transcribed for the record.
1:48
